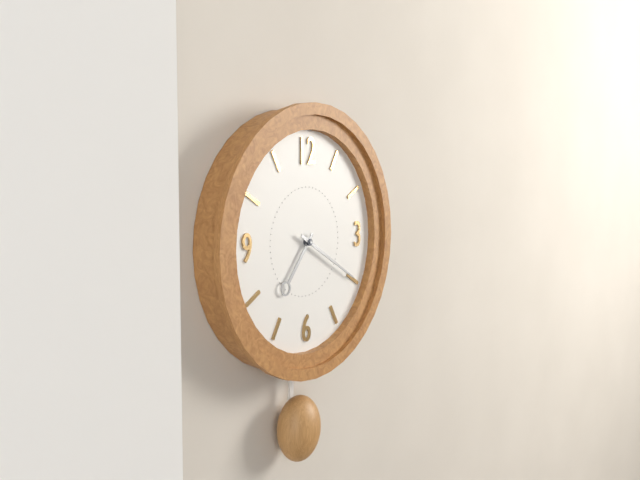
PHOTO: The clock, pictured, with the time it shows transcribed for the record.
7:20
